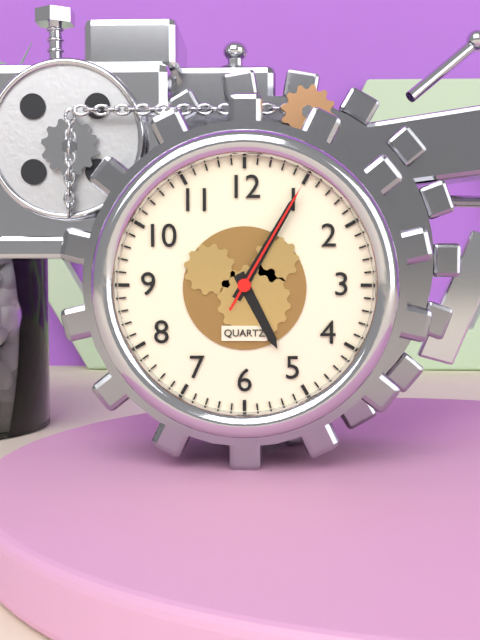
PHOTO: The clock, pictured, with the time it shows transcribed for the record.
5:05:05
